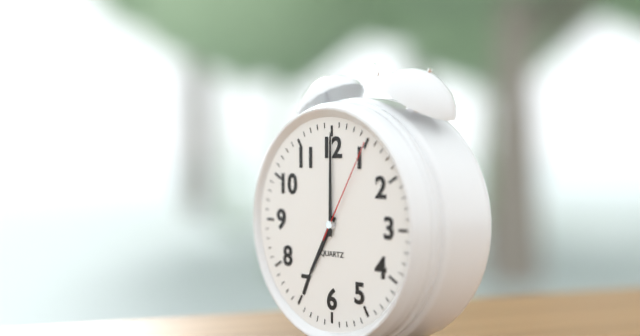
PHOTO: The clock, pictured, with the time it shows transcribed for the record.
7:00:05
